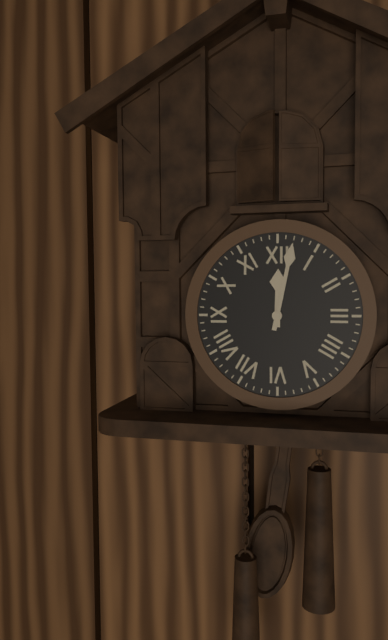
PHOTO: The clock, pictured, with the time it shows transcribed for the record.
12:02
